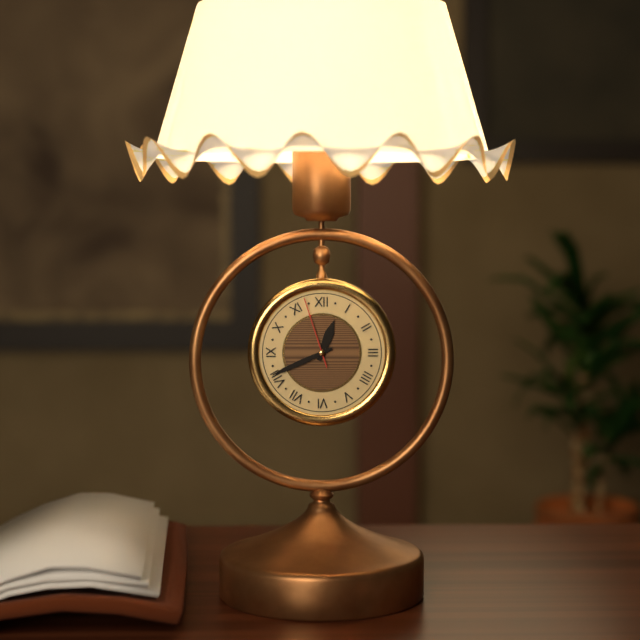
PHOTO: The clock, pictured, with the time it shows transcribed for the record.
12:41:57
